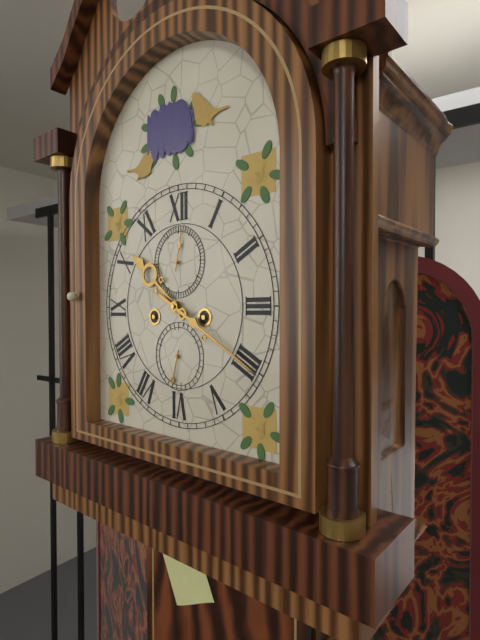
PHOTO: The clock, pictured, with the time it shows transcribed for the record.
10:20
